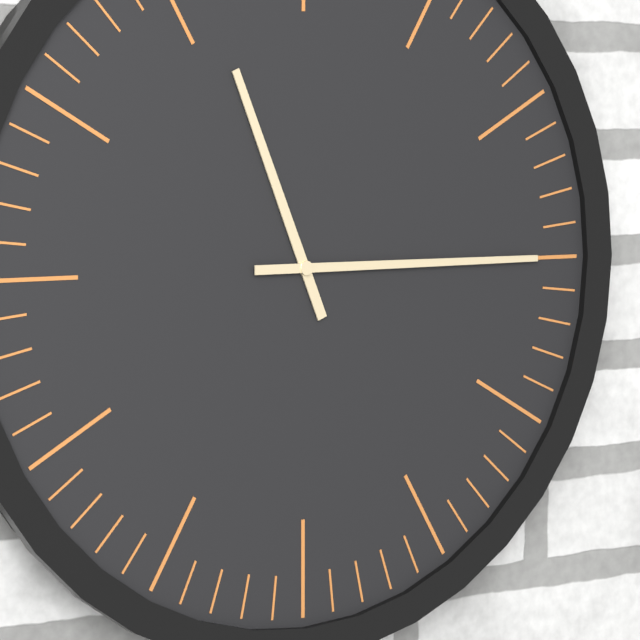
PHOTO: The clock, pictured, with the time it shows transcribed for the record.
11:15
